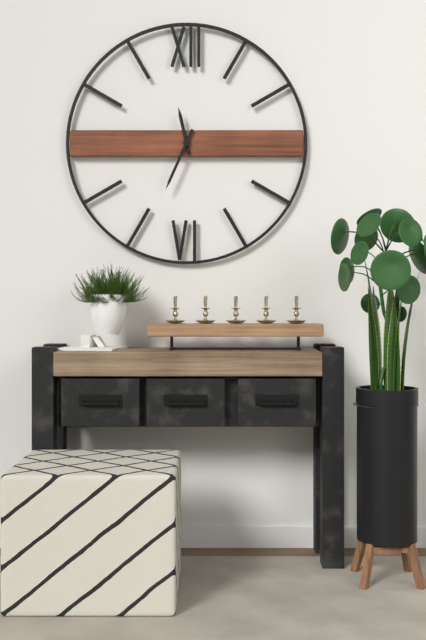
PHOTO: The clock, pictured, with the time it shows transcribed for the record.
11:34
